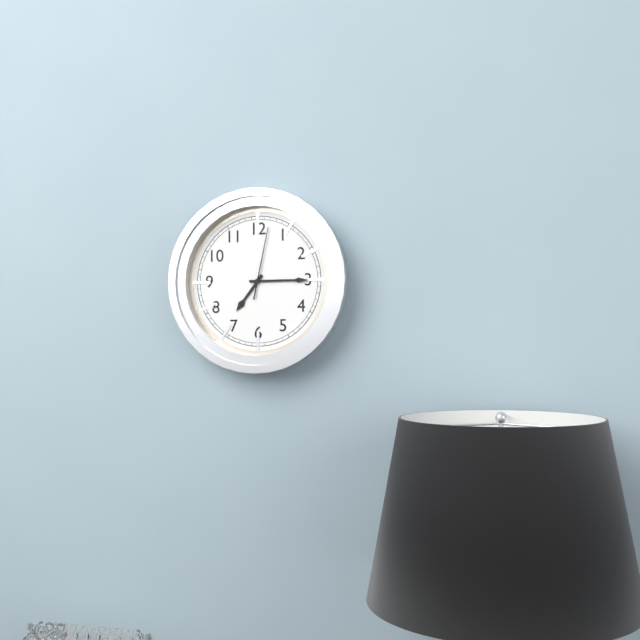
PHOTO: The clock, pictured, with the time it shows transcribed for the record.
7:15:02
